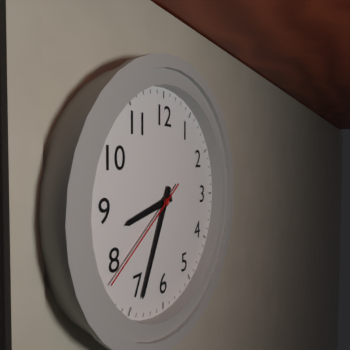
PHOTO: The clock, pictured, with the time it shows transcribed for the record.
8:34:39
